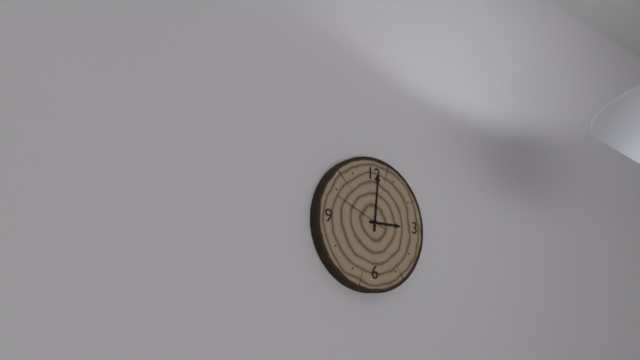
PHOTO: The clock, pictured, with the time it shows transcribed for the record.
3:01:49
